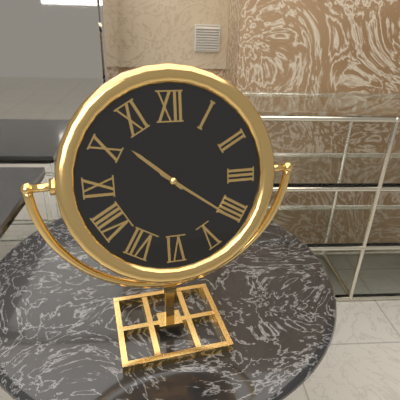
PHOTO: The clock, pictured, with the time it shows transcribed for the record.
10:21
